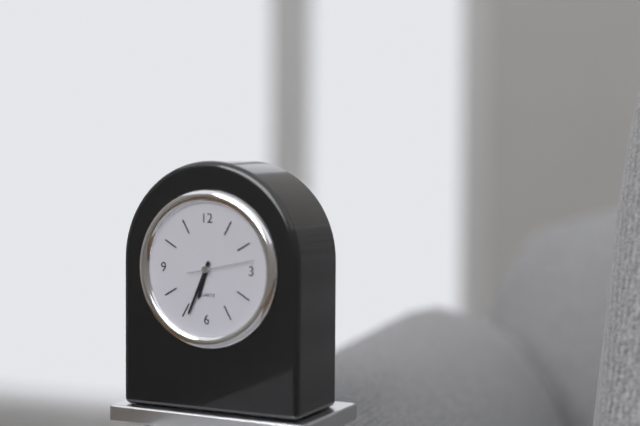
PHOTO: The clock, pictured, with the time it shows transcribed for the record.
6:34
